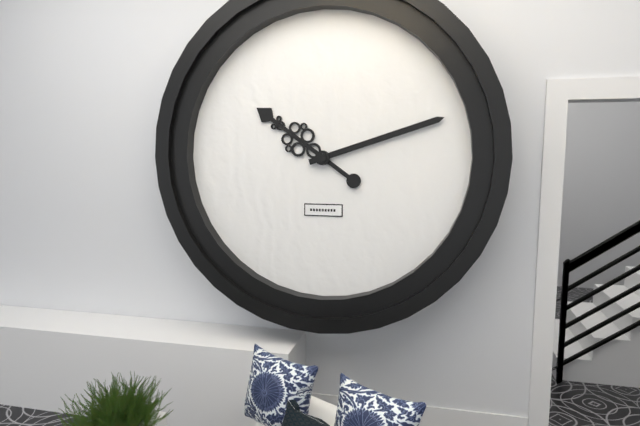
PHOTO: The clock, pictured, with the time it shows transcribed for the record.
10:12
